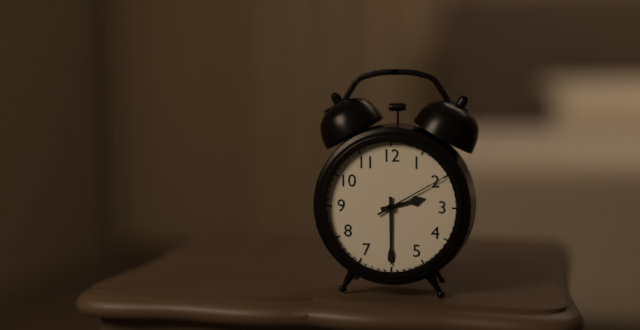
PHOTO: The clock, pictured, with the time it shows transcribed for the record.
2:30:10
